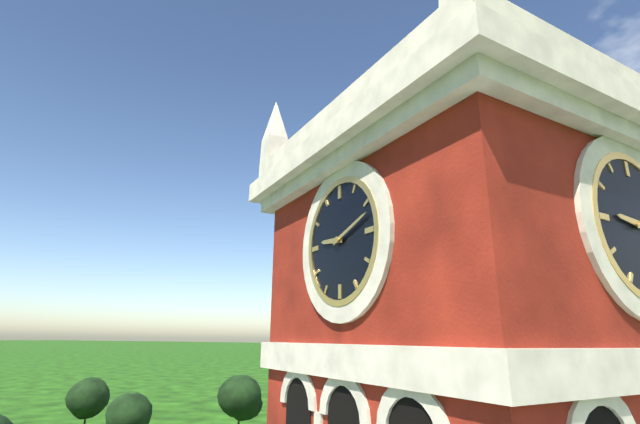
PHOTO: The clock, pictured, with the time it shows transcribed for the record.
9:12
